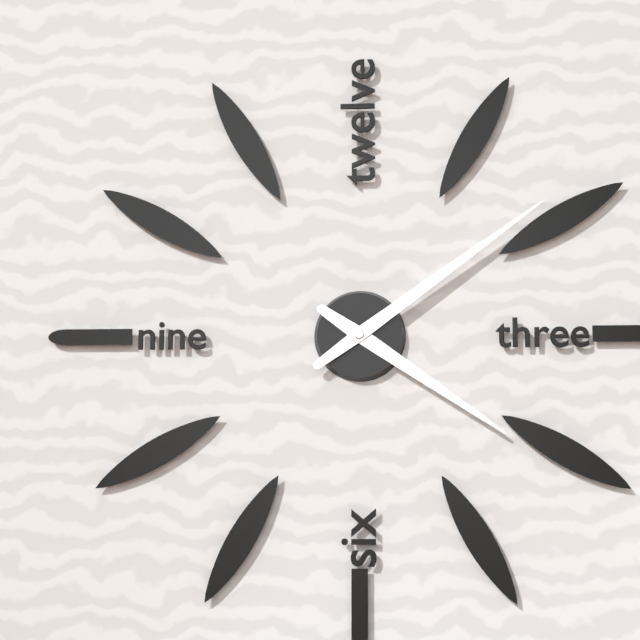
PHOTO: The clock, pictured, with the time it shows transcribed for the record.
4:09
